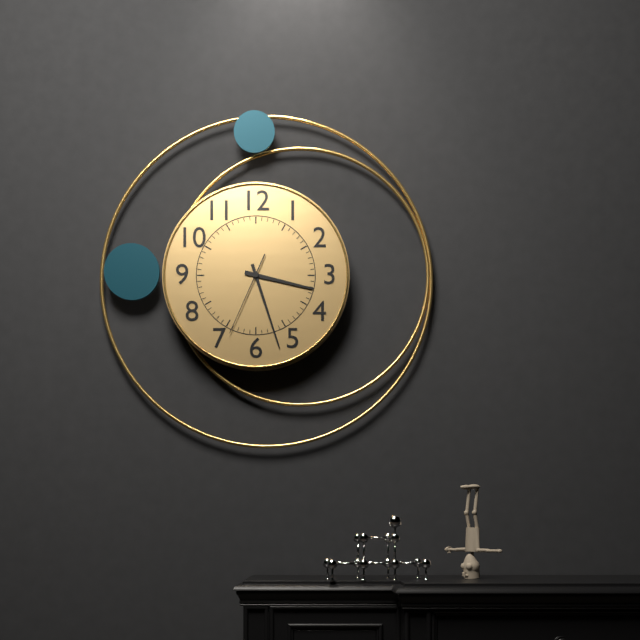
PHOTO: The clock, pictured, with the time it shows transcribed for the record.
3:27:34
